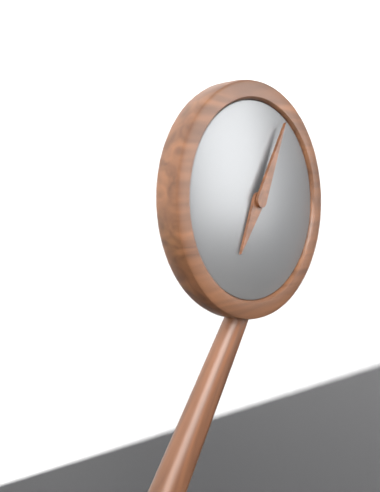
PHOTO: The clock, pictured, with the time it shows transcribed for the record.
7:05
